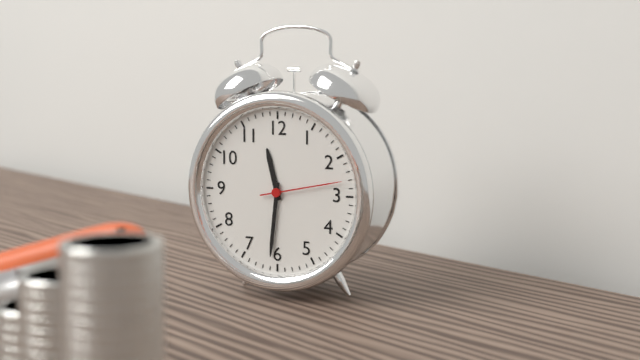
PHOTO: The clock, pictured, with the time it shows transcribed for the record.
11:31:13
